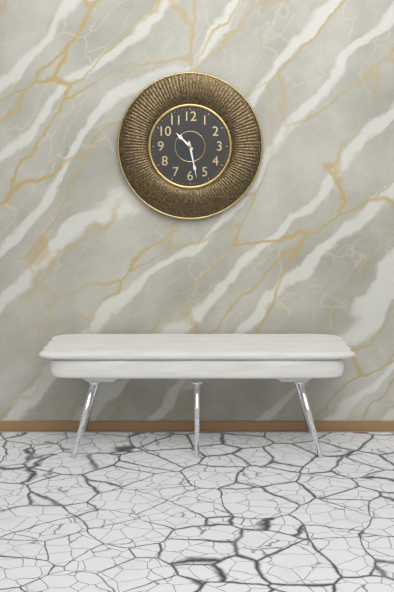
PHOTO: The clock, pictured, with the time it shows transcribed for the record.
10:28
